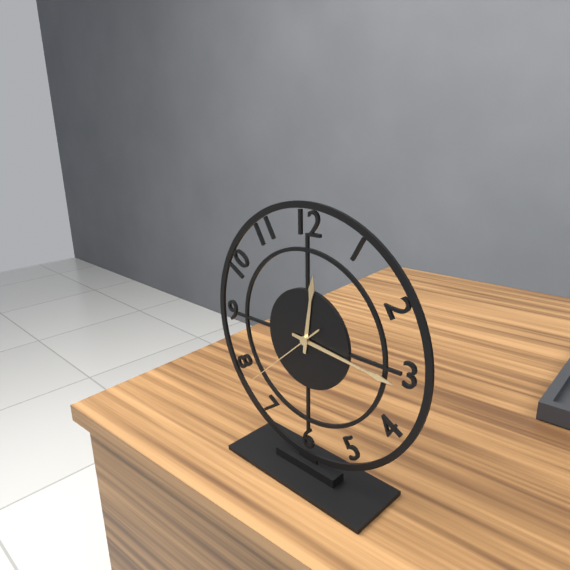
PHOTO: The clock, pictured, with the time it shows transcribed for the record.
12:16:38
